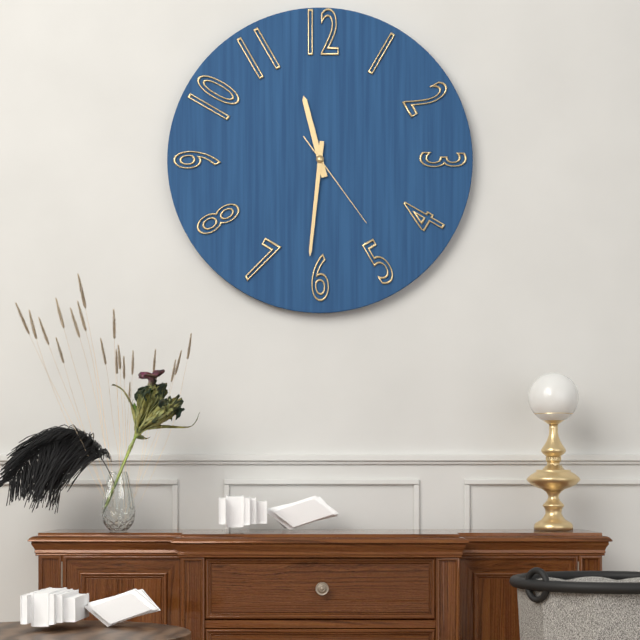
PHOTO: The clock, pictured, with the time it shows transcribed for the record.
11:31:24
